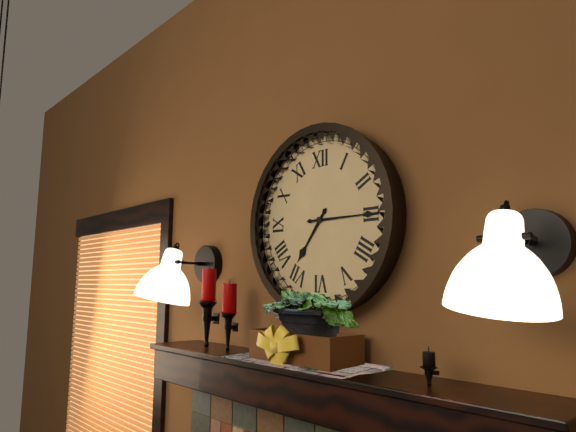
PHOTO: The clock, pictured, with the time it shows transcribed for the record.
7:15
